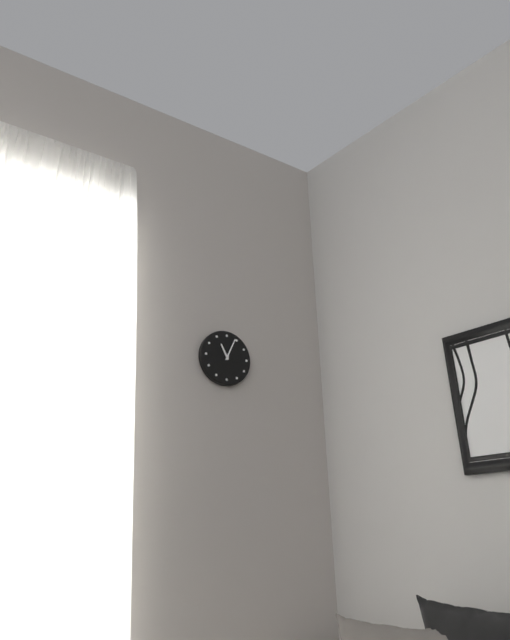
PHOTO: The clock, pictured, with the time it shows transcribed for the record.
11:04
